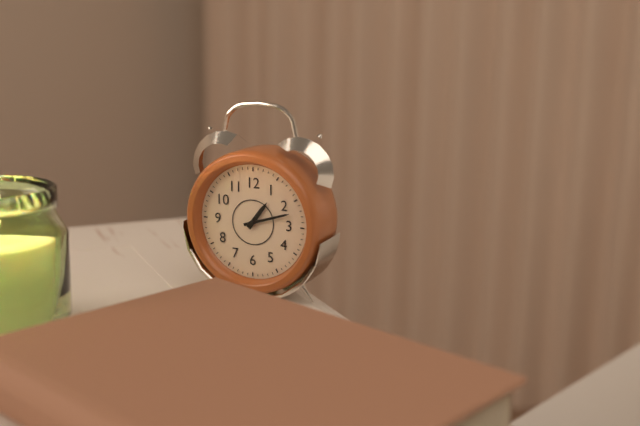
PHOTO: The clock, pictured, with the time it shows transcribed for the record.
1:12
